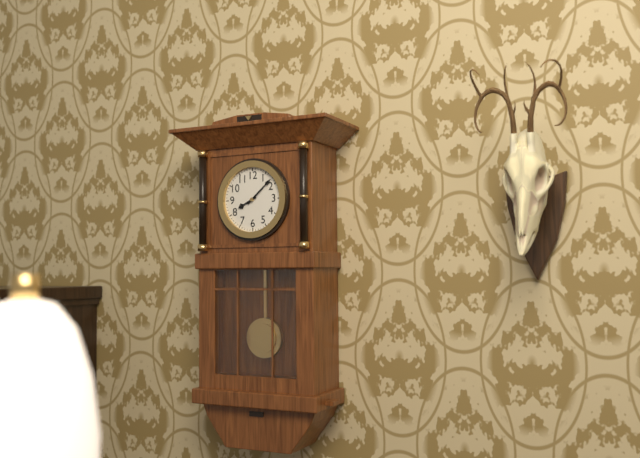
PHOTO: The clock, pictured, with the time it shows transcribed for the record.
8:08
